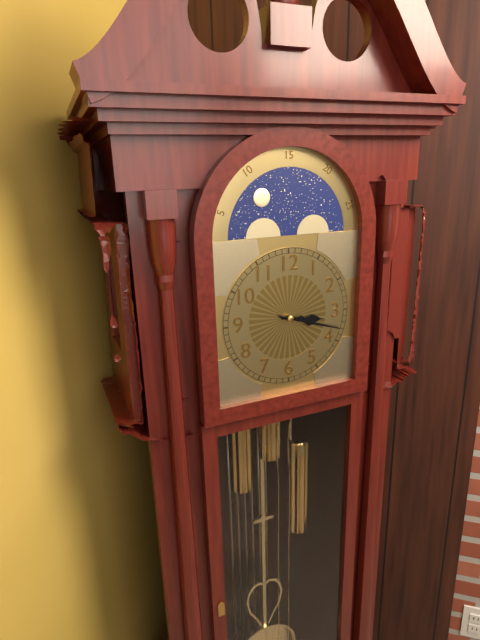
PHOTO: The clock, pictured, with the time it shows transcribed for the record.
3:18
